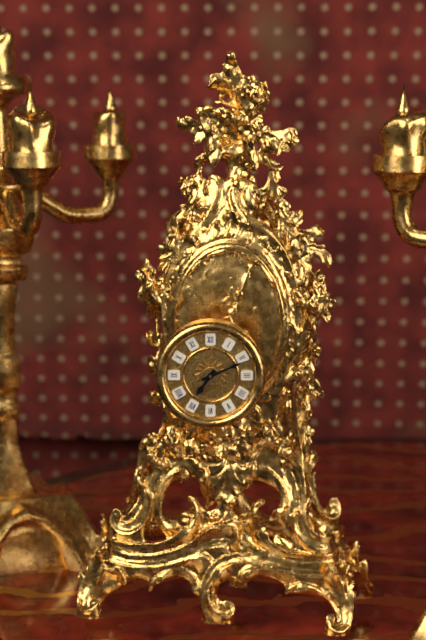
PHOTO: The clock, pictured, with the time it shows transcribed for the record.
7:11
